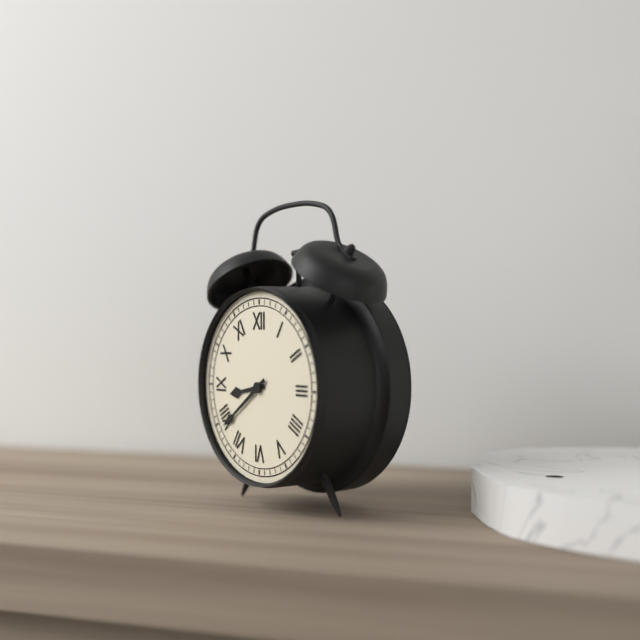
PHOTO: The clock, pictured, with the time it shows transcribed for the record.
8:39
